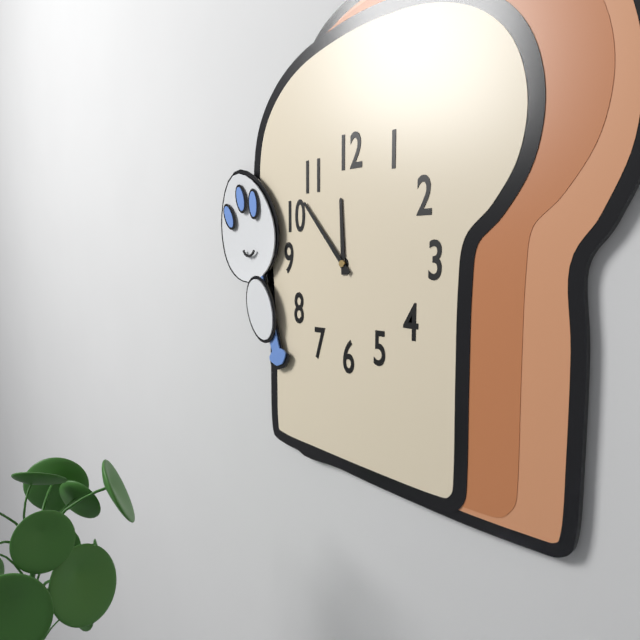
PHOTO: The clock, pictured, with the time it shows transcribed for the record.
11:53
